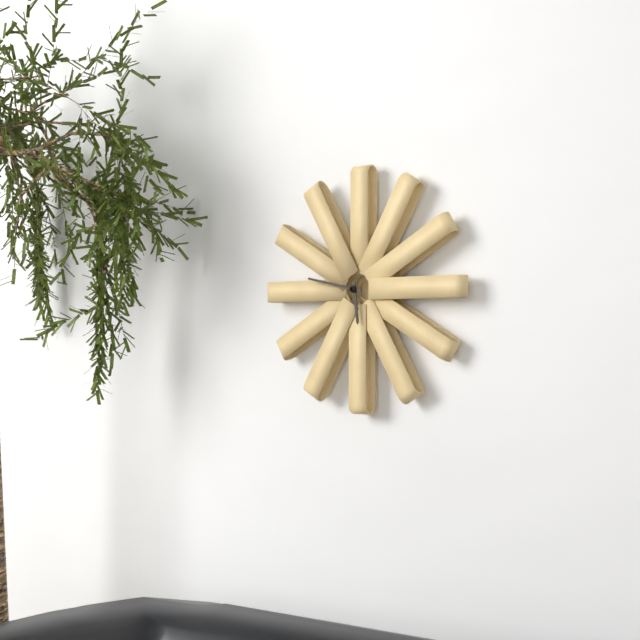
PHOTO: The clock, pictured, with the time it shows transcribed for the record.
5:47
